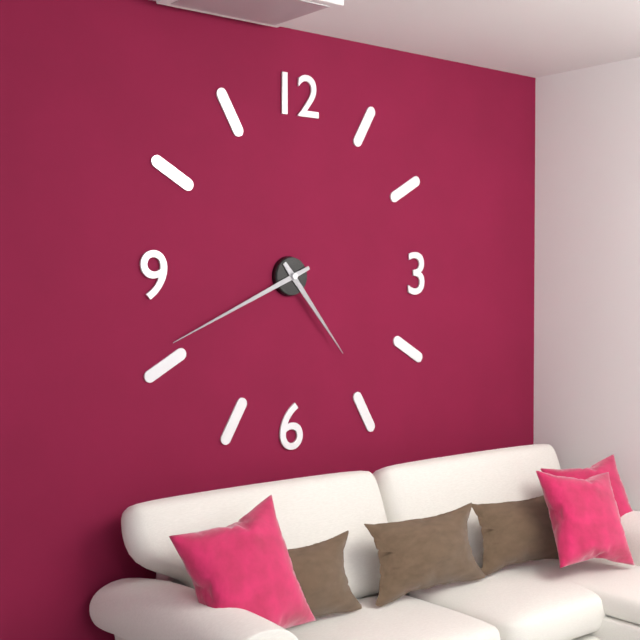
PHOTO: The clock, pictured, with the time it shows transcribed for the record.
4:41
